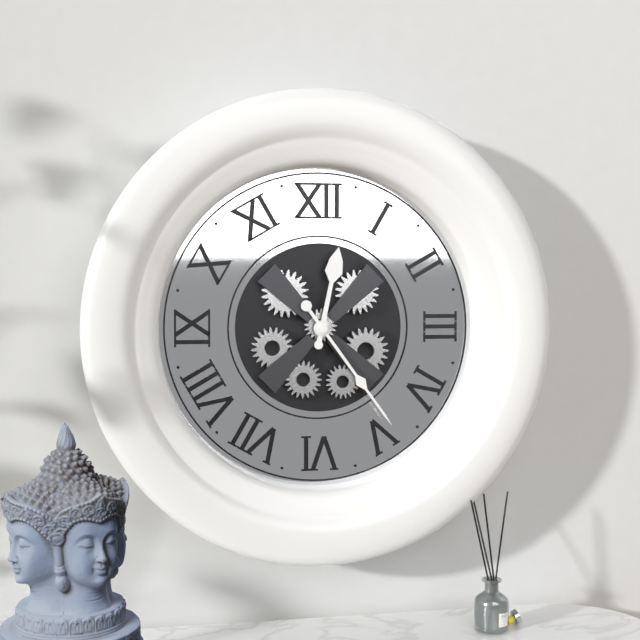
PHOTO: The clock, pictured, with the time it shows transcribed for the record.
12:24
